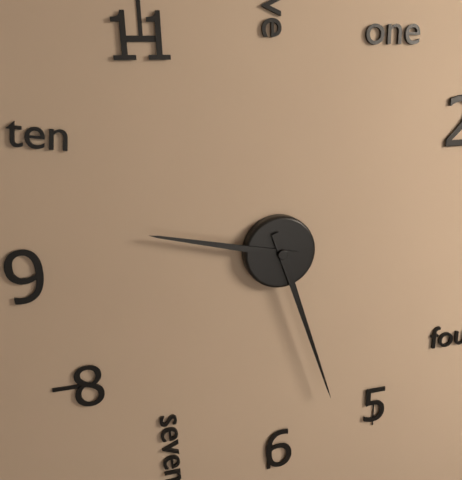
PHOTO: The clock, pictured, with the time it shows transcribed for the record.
9:27
